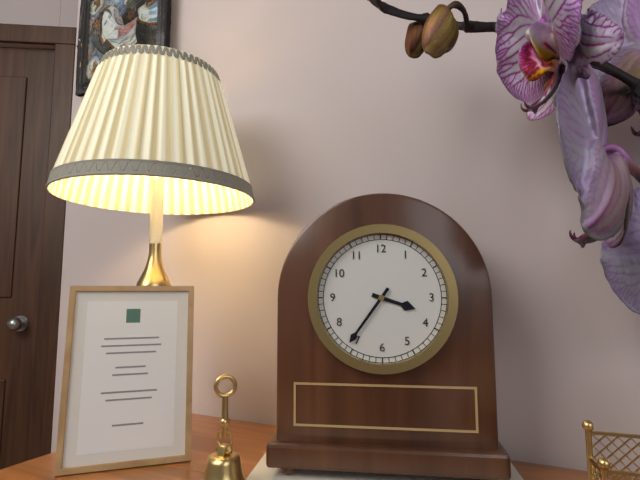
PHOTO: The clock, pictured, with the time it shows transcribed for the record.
3:36
